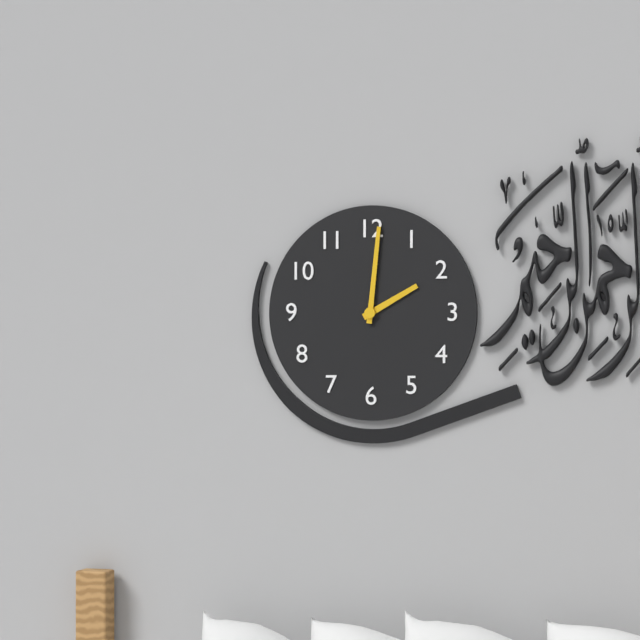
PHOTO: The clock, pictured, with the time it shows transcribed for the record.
2:01
